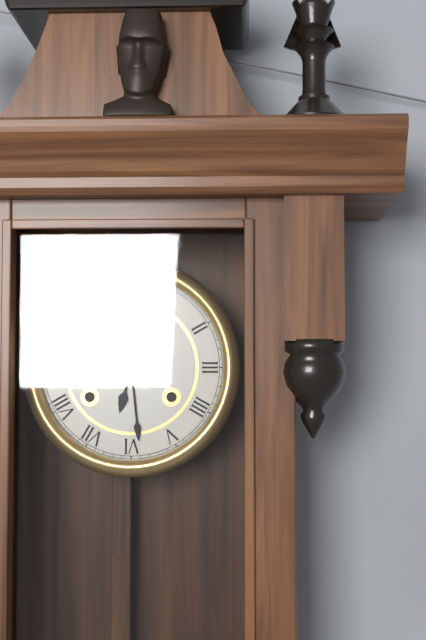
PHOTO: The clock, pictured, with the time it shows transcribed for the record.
6:29
